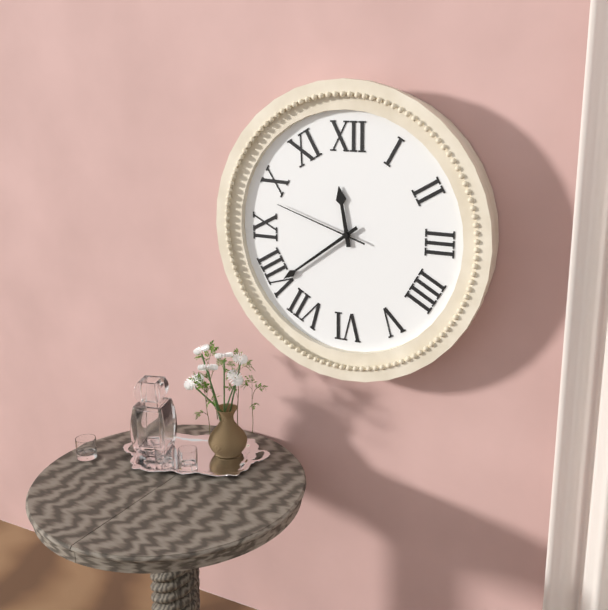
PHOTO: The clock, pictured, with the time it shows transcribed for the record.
11:39:48
